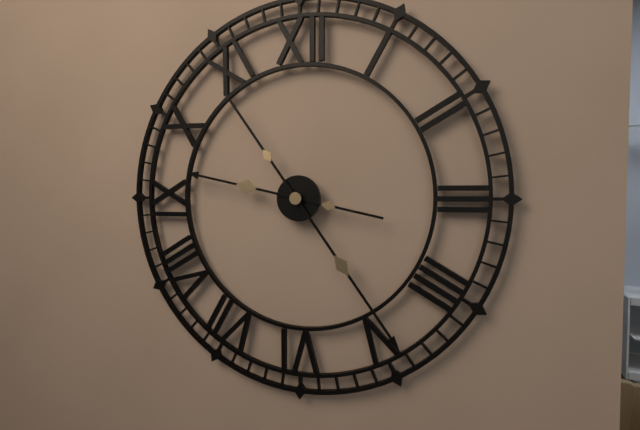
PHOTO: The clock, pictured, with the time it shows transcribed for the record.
9:24
